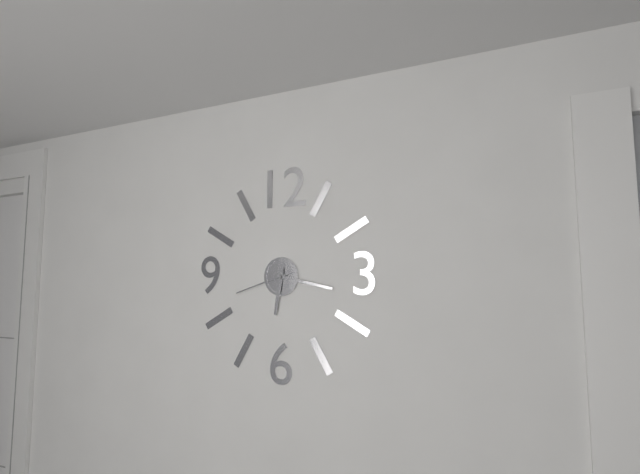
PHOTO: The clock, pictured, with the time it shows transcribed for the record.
6:17:42
